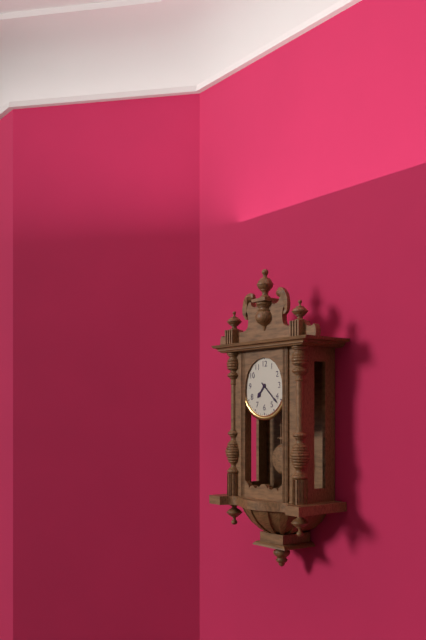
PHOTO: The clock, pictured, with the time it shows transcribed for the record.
7:22
